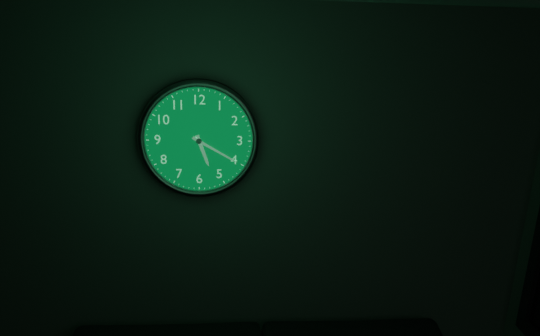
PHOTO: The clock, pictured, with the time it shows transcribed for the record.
5:20
